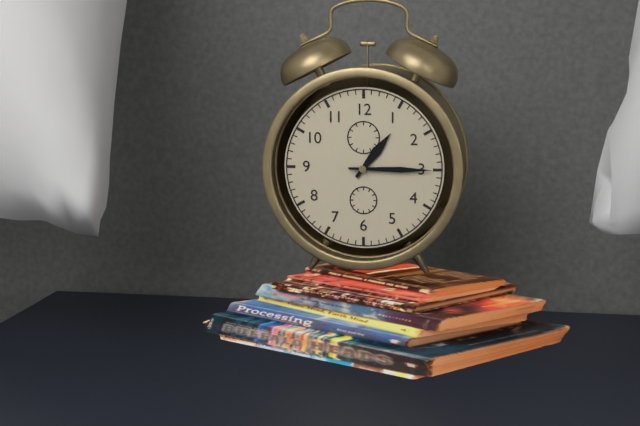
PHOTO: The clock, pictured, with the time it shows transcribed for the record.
1:15
